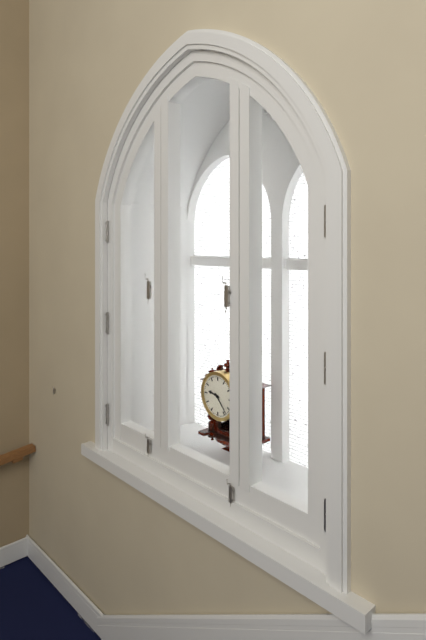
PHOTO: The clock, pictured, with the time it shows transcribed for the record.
9:23
